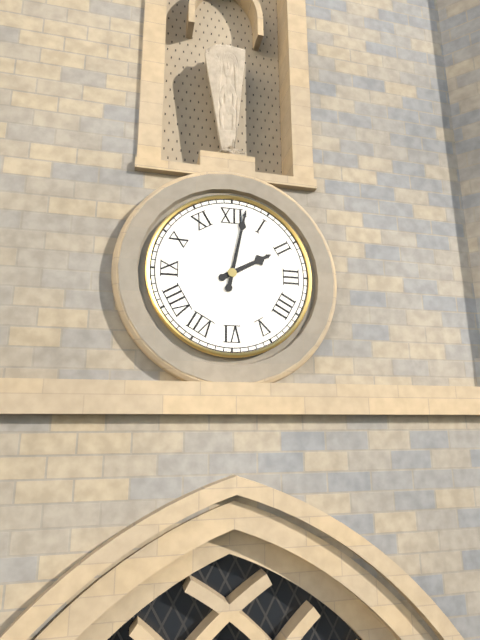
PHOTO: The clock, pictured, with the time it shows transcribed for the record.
2:02
